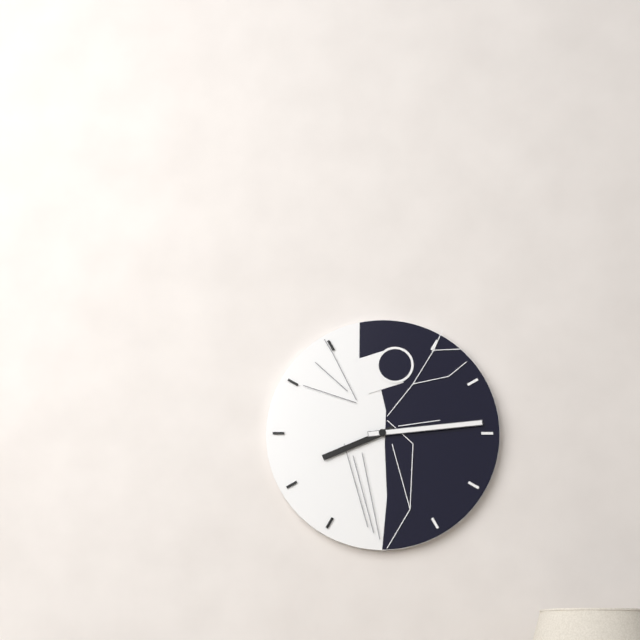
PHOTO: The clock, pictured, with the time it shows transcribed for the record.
8:14
